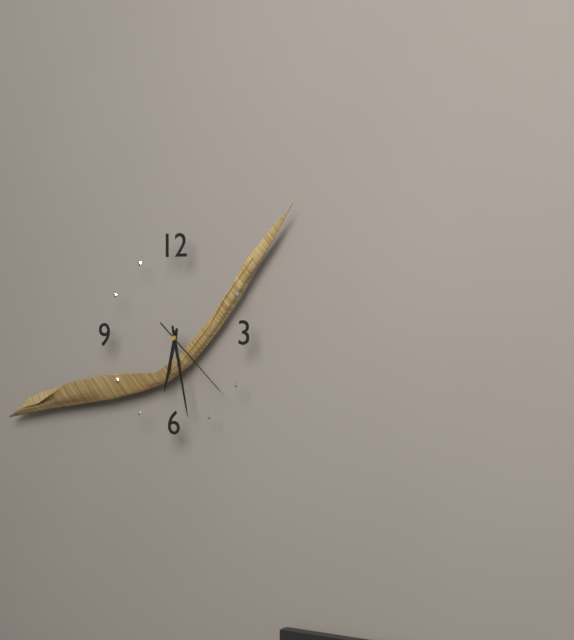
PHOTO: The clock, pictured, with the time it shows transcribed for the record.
6:28:22
